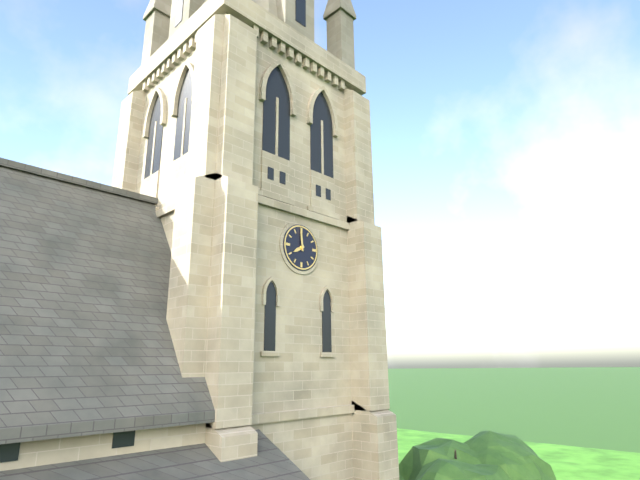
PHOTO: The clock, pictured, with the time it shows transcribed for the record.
7:59
